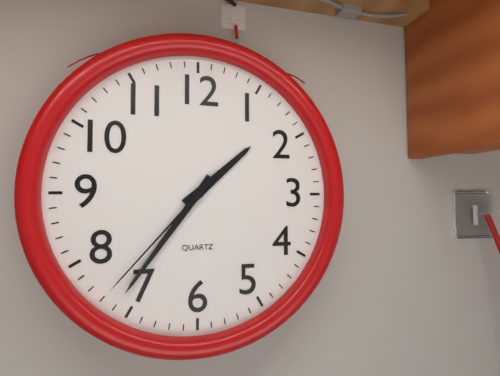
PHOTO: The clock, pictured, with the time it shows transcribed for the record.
1:36:37
